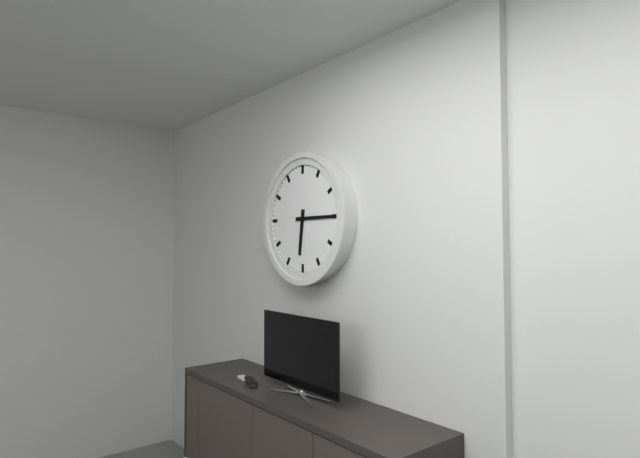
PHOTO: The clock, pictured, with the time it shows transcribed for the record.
6:15
